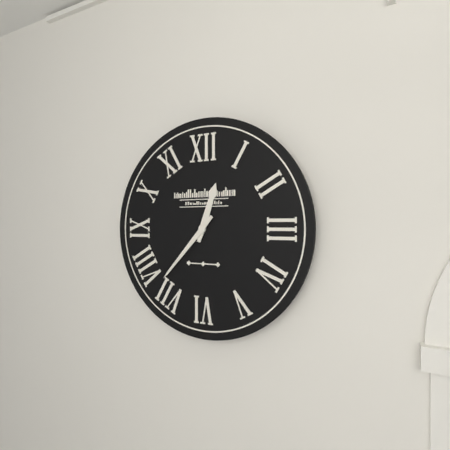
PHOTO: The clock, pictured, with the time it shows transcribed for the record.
12:37
